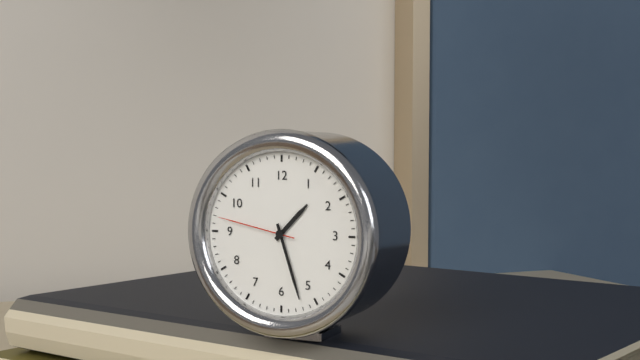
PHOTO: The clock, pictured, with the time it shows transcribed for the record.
1:27:47
